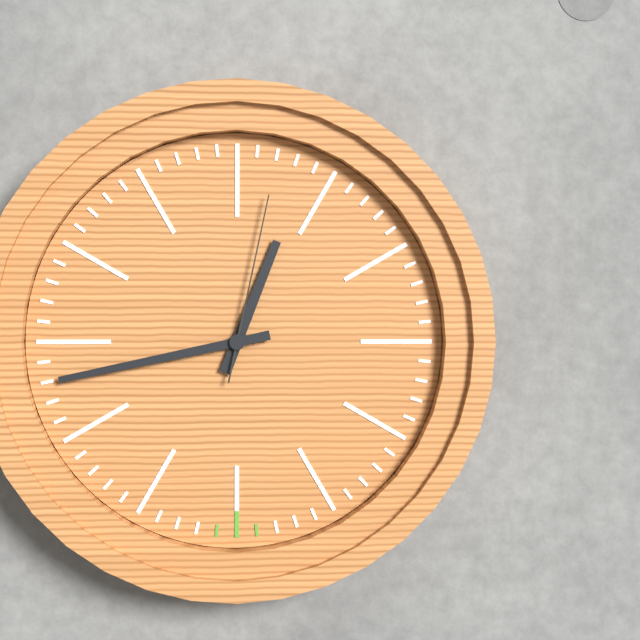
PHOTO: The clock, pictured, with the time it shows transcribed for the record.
12:43:02
